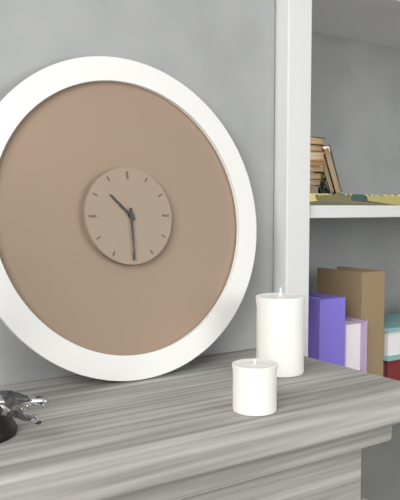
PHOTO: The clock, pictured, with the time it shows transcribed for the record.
10:30
